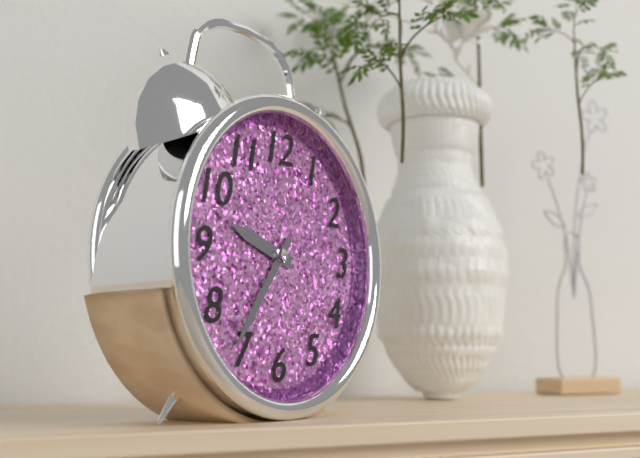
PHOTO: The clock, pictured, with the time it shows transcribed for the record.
9:36
